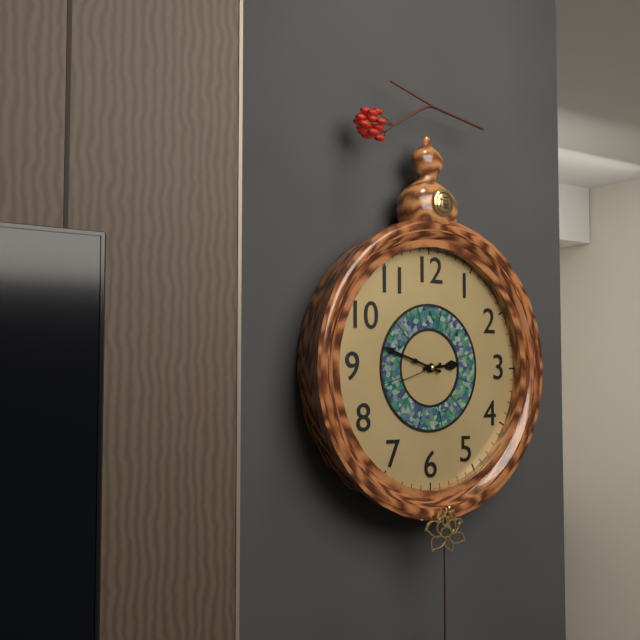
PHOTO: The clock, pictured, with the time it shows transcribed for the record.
2:48
